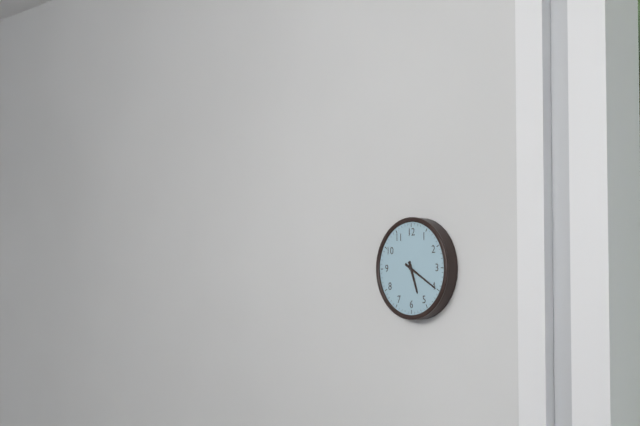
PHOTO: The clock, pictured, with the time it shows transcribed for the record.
5:20
